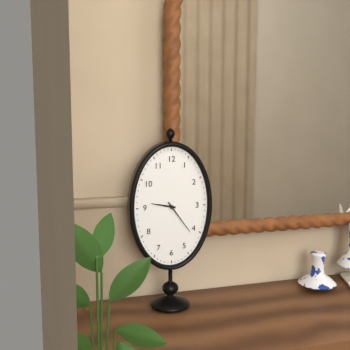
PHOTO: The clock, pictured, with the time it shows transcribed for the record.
9:24
